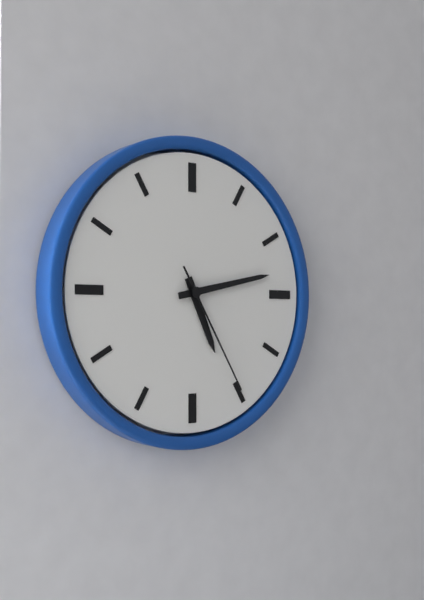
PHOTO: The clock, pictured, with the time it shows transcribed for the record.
5:13:25
